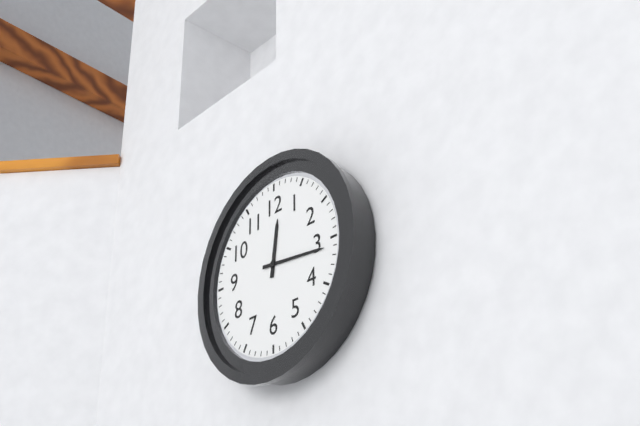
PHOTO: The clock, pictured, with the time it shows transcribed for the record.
12:16
